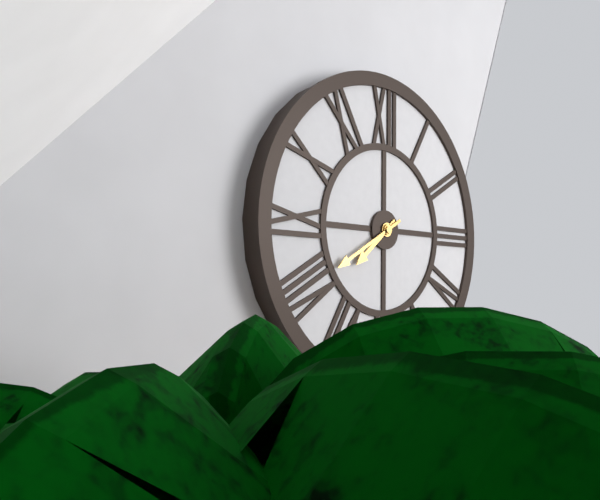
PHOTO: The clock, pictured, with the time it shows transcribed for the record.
7:40
